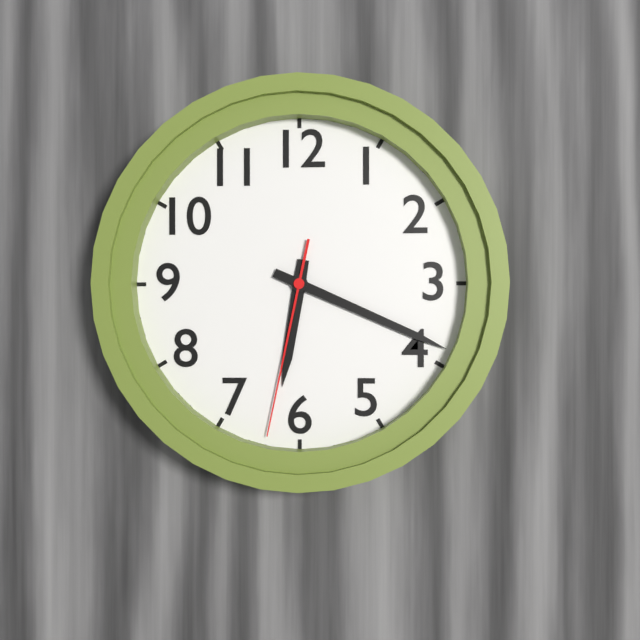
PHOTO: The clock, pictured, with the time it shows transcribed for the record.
6:19:32
